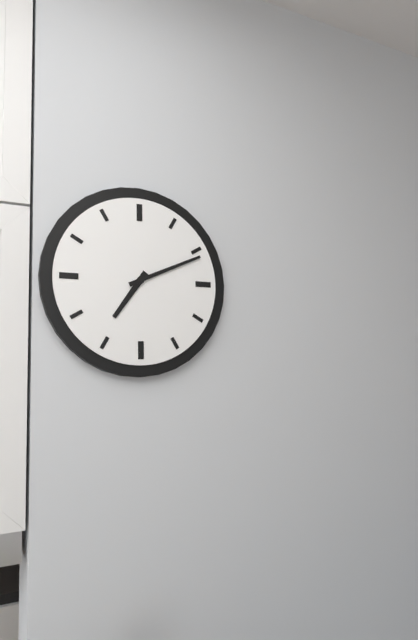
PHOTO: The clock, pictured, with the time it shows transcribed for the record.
7:11
